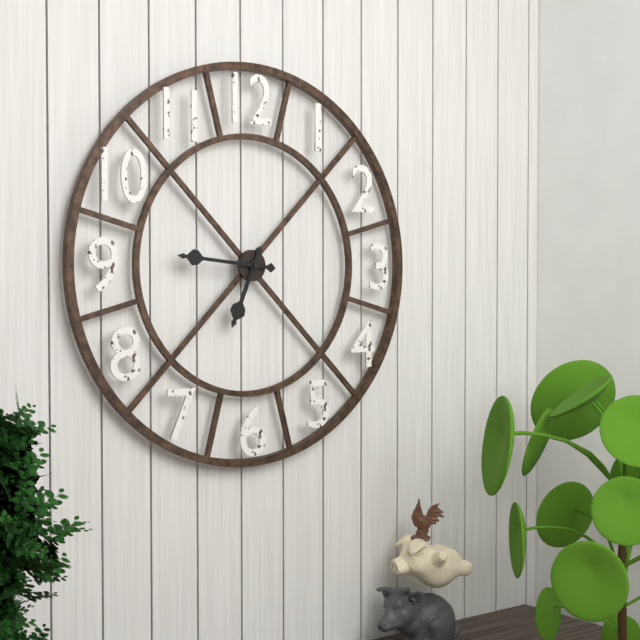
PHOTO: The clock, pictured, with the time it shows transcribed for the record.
6:46
